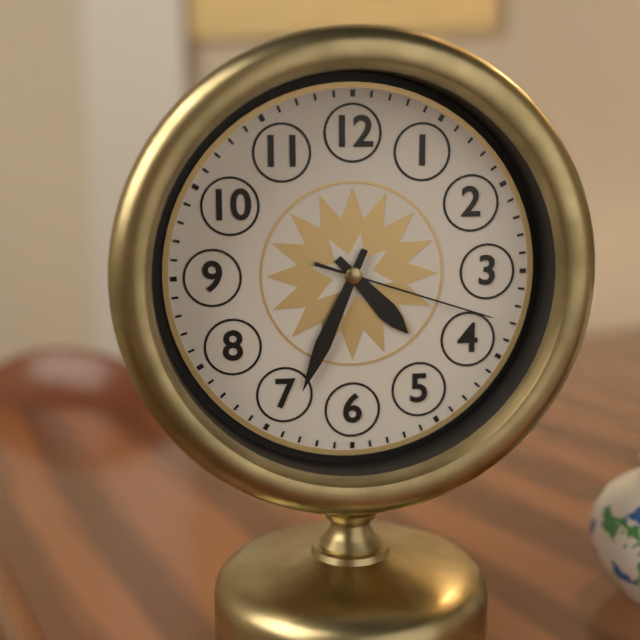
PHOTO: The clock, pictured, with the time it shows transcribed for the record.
4:34:18
